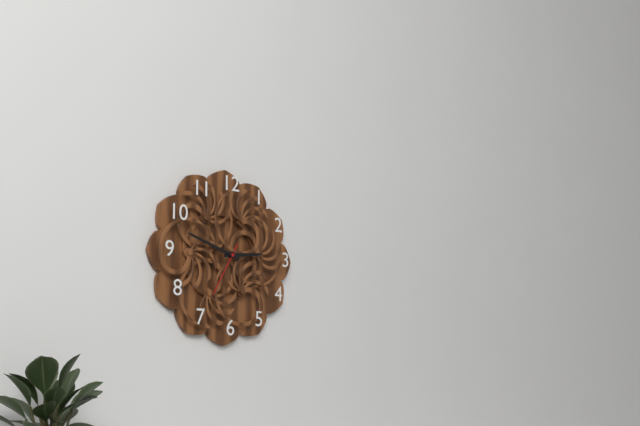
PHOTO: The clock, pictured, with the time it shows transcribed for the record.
2:48:35
